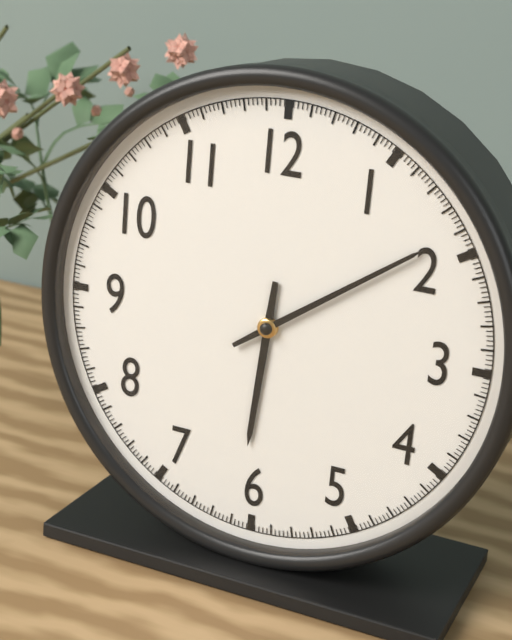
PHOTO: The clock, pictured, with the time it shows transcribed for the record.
6:09
